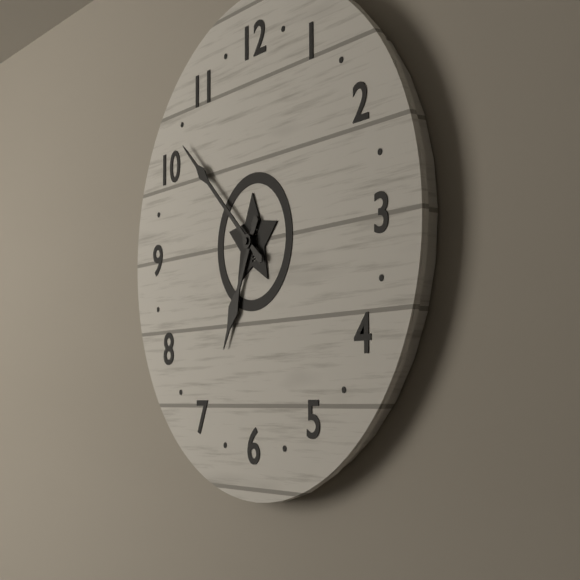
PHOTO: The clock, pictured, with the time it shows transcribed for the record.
6:52
